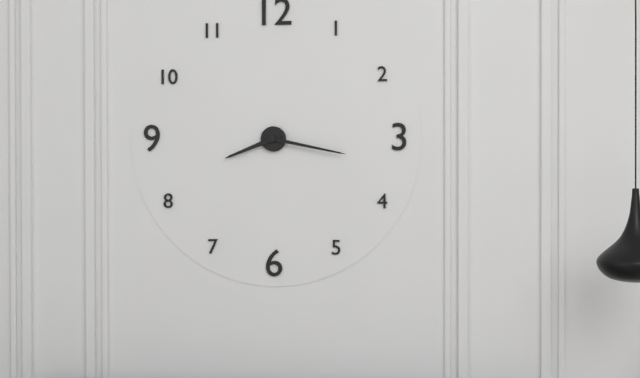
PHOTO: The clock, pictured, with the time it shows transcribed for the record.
8:17
